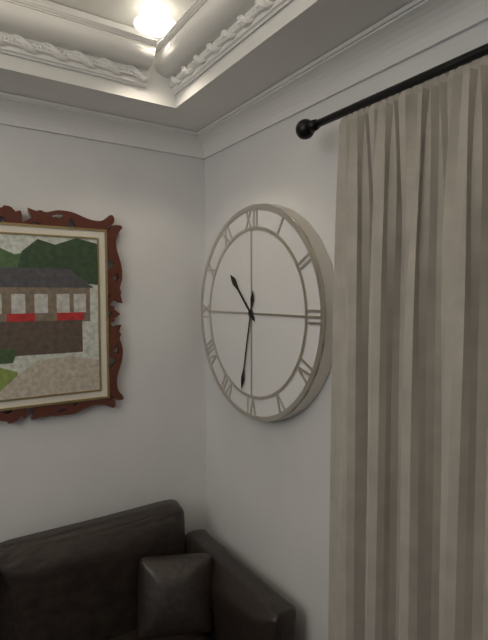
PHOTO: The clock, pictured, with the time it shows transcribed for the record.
10:32
